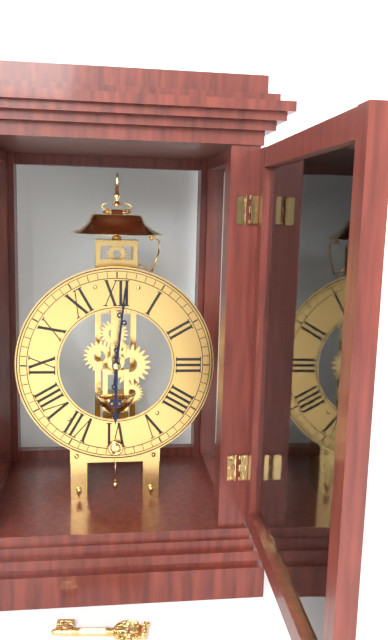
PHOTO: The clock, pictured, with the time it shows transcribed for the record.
6:01
